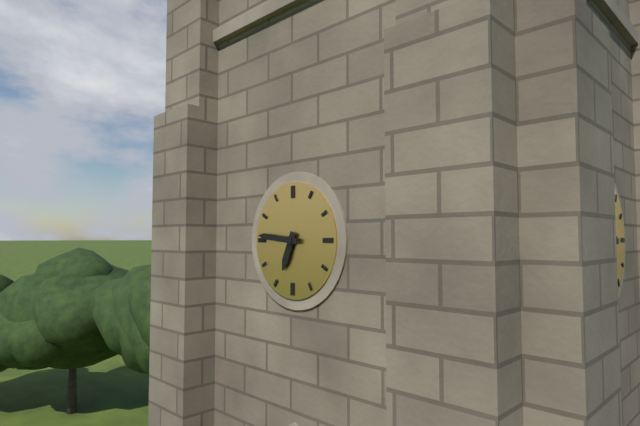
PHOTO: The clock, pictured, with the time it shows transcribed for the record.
6:46
